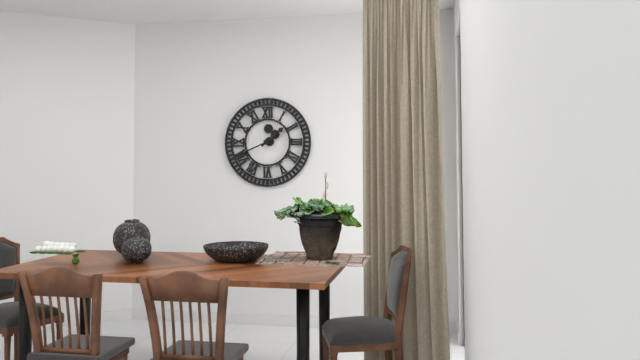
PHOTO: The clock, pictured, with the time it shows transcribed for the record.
1:41
